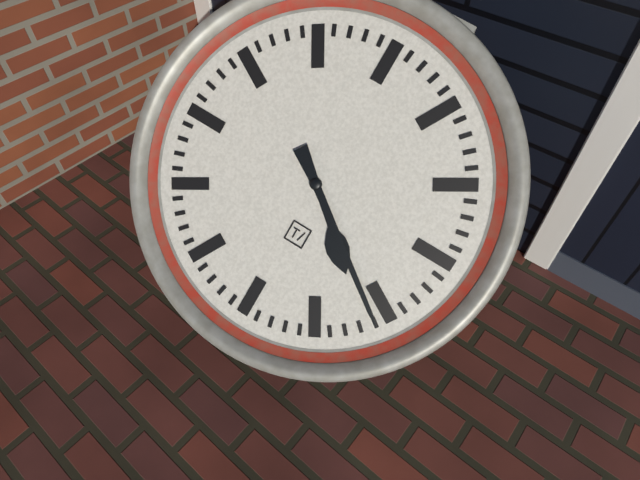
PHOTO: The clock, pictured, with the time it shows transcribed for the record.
4:21
